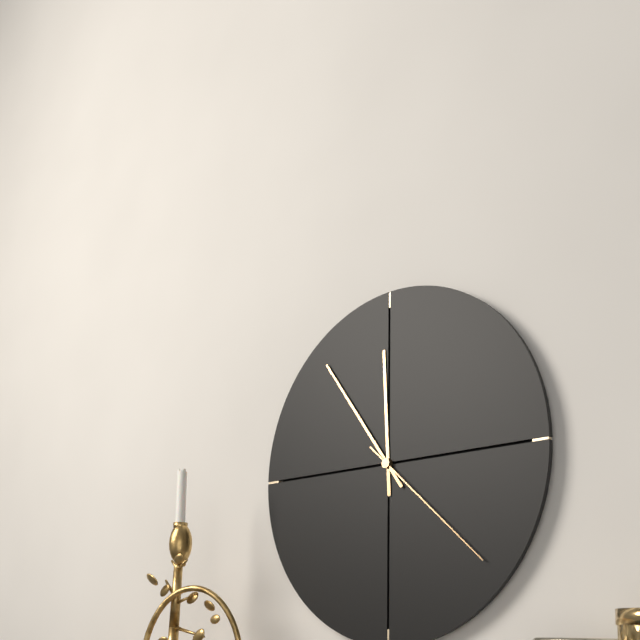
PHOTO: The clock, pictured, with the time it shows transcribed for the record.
11:54:22
